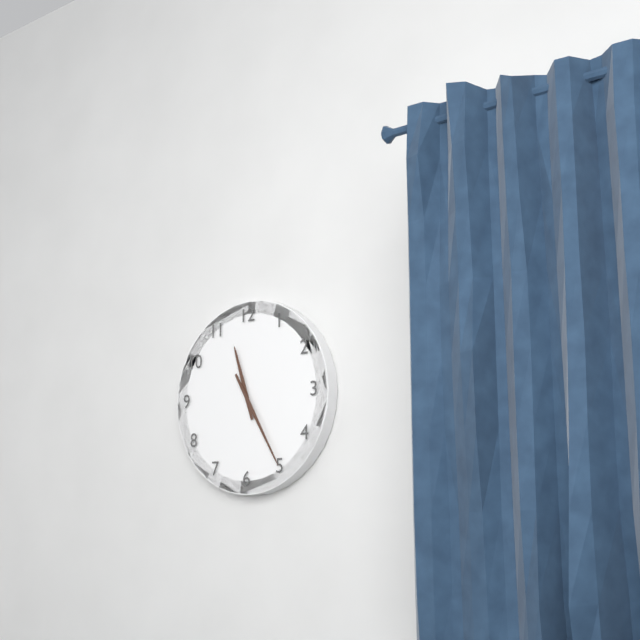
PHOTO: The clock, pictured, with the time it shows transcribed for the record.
11:25
